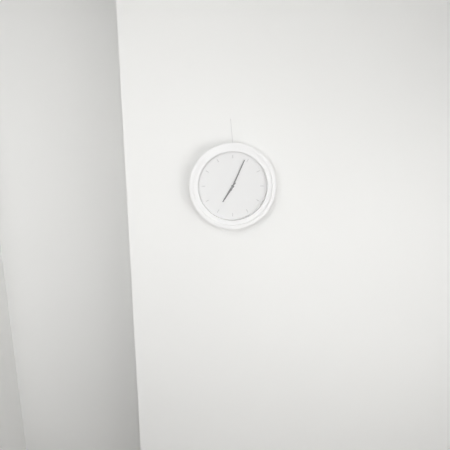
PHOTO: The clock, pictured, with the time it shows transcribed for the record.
7:04
